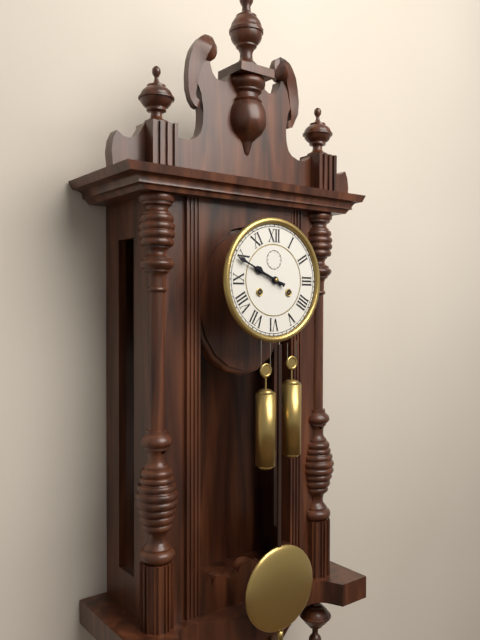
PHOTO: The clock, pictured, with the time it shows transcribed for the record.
9:49
